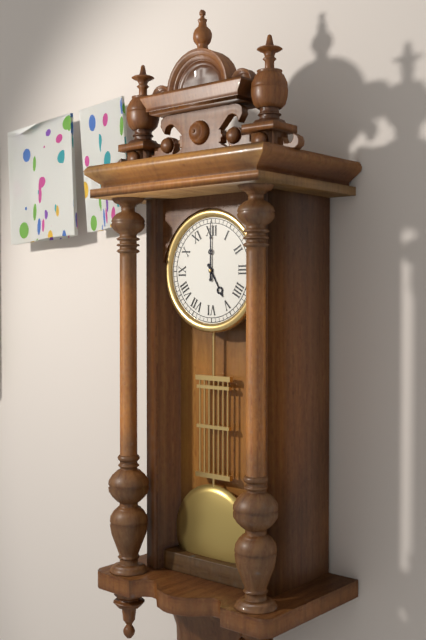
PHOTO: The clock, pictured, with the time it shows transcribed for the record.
5:00
